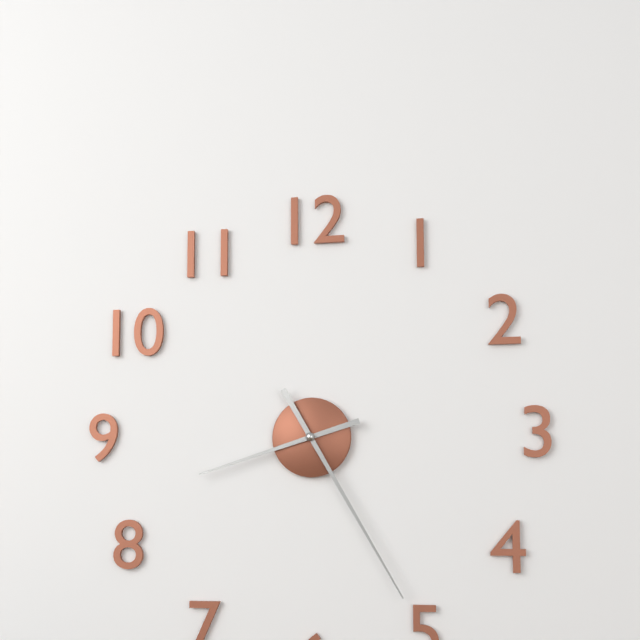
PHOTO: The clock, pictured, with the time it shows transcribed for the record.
8:25
